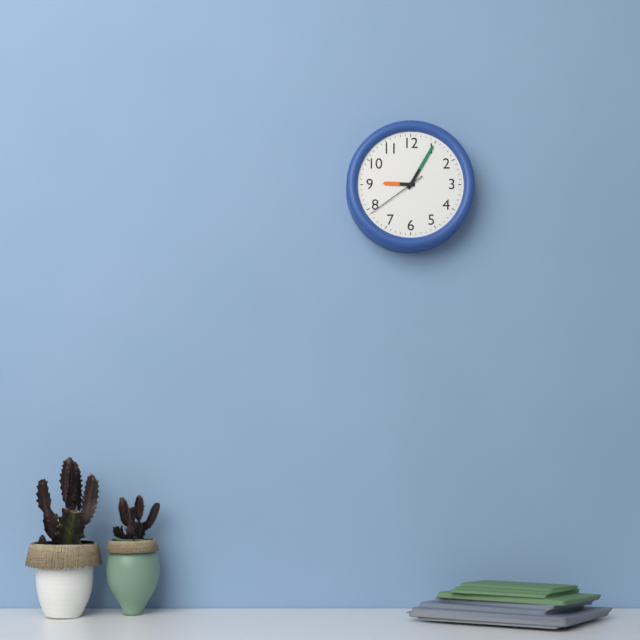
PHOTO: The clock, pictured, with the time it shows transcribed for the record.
9:05:39
